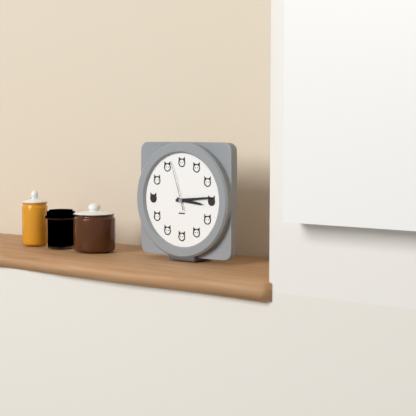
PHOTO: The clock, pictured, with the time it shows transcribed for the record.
3:14:57
